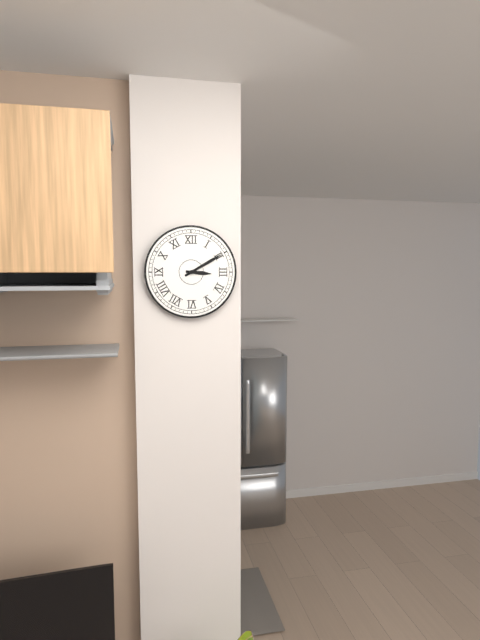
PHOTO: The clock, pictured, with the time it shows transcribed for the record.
3:10
